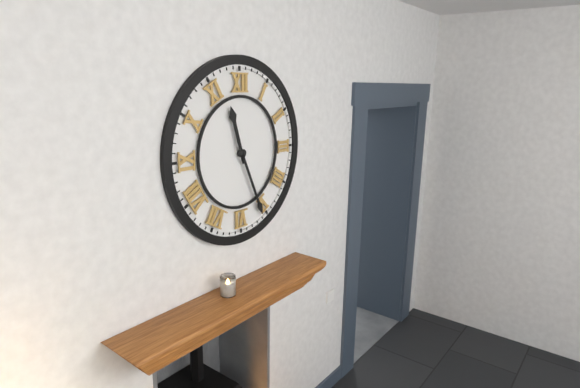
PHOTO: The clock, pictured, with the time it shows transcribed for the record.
11:26
